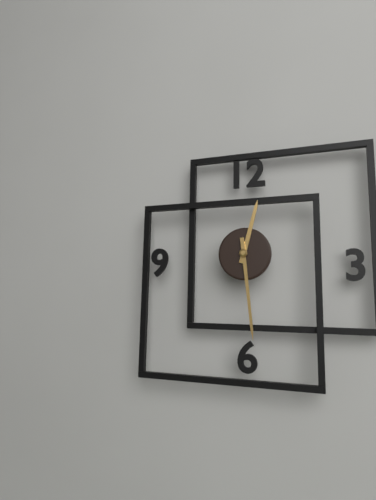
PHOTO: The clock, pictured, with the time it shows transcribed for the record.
12:29
